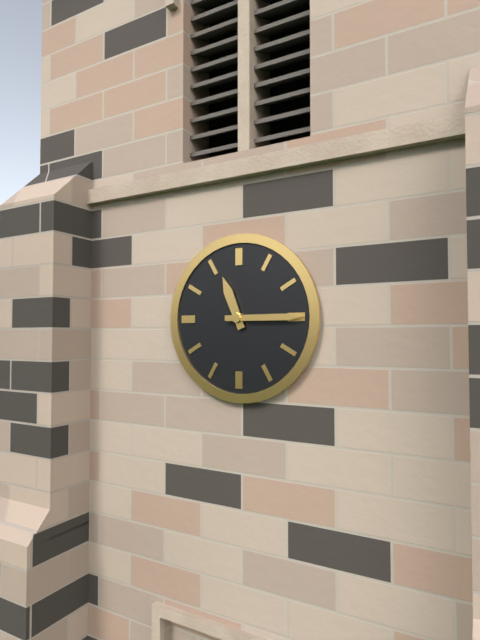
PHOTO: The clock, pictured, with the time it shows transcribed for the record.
11:15
